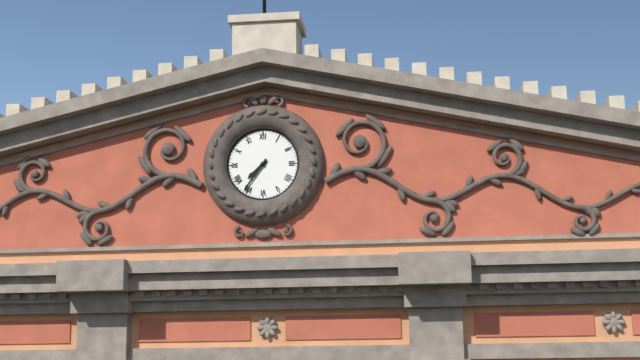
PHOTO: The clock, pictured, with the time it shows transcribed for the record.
7:36
